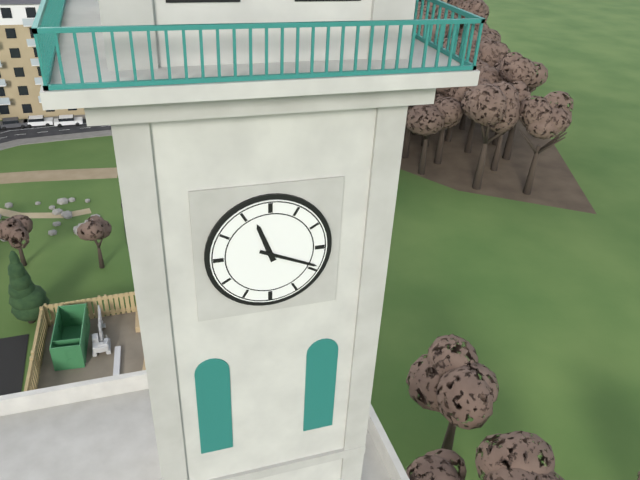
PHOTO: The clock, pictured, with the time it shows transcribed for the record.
11:19
